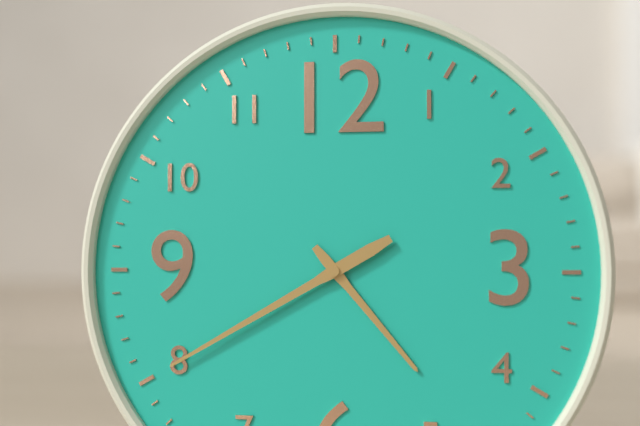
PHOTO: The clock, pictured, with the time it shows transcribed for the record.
4:40
